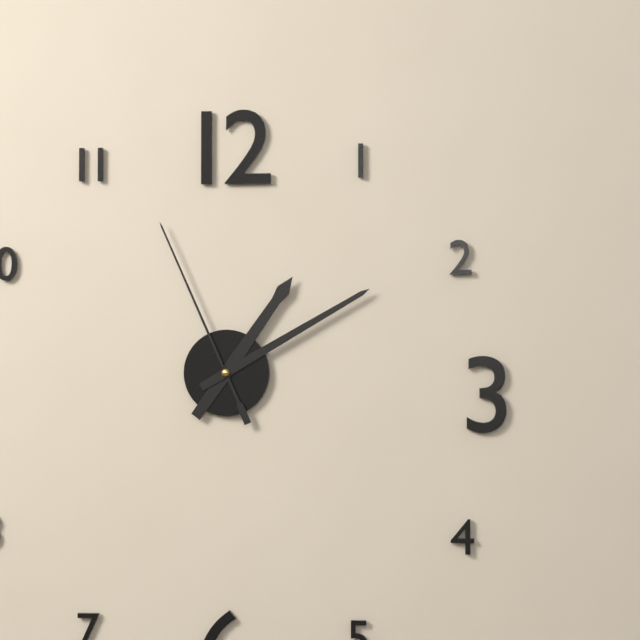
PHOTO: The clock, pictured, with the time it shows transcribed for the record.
1:10:56
